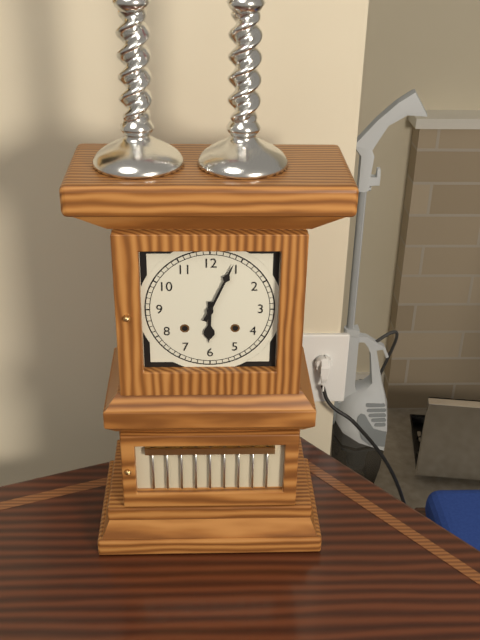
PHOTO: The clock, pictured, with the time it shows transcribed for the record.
6:04
